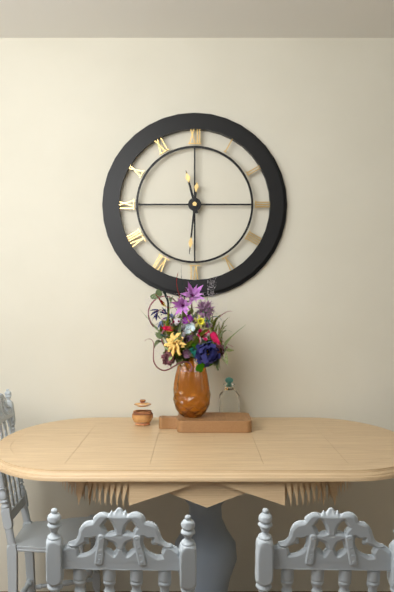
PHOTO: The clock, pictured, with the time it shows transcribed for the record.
11:31
